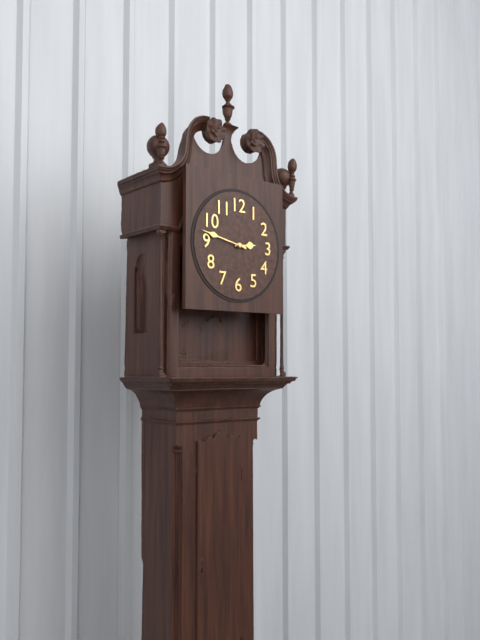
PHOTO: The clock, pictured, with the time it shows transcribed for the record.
2:47
